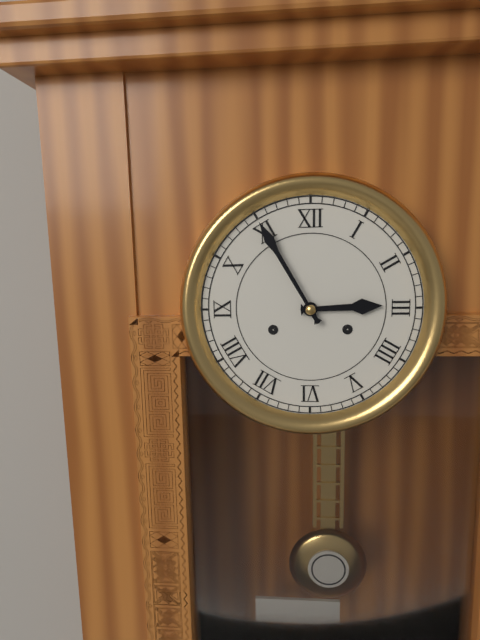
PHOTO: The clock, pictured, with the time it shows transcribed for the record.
2:55
